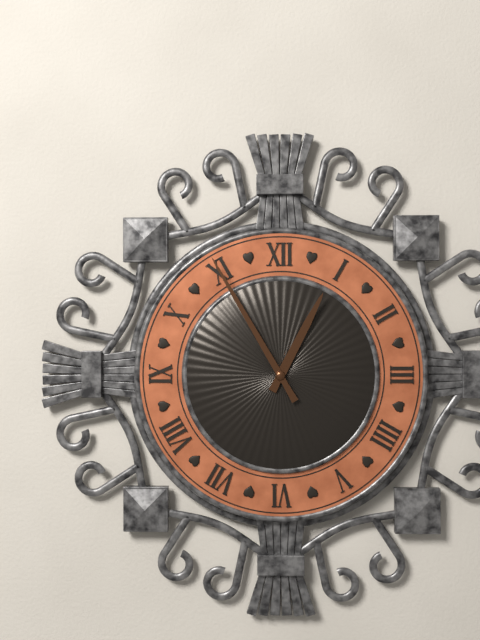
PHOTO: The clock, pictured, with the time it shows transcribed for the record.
12:55
